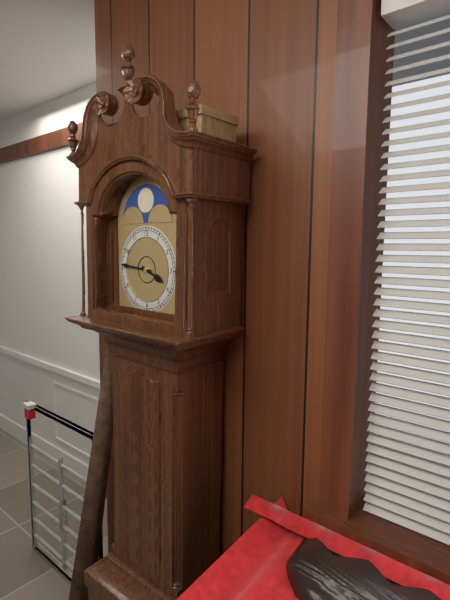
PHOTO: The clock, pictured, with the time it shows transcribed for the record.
3:46
